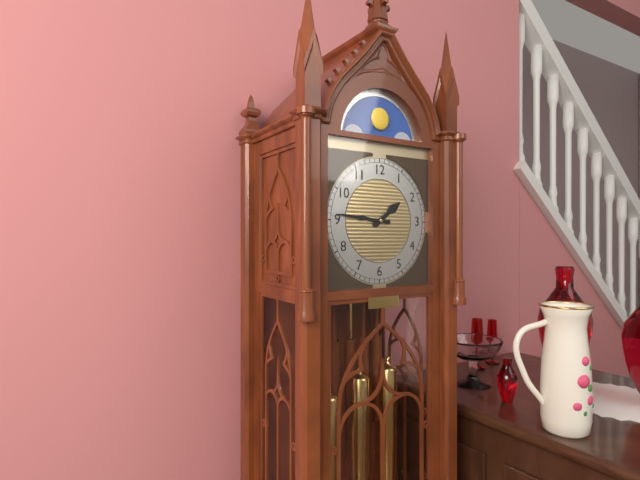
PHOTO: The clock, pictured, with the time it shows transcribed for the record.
1:46
